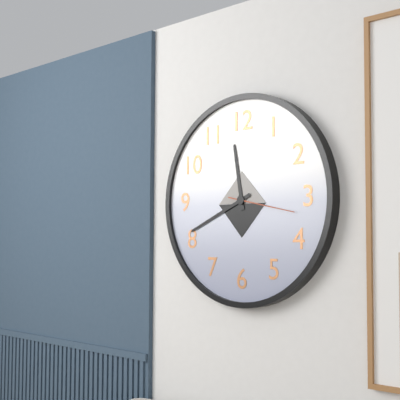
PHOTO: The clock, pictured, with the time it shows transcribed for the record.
11:41:17
